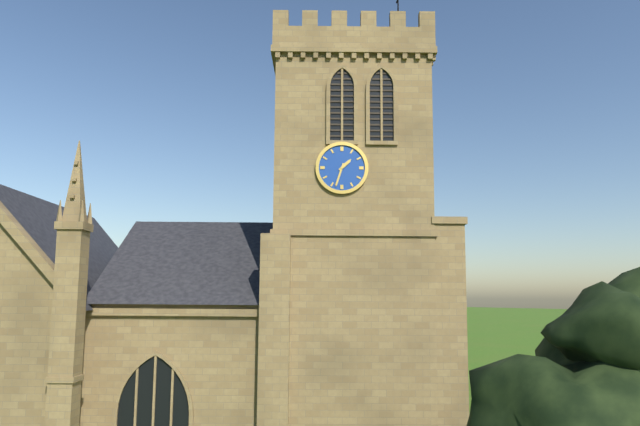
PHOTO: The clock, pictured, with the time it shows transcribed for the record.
1:33
